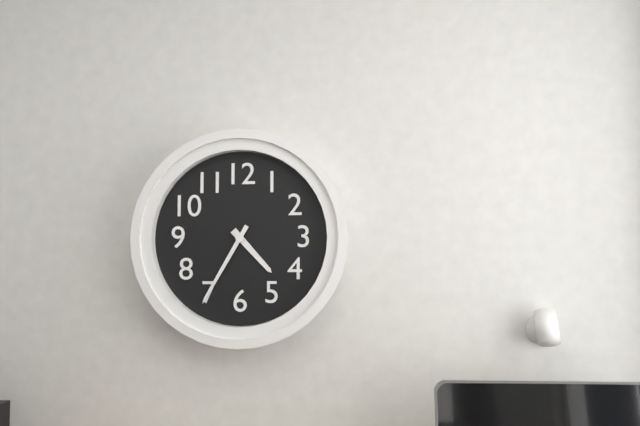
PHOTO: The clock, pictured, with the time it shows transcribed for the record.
4:35
